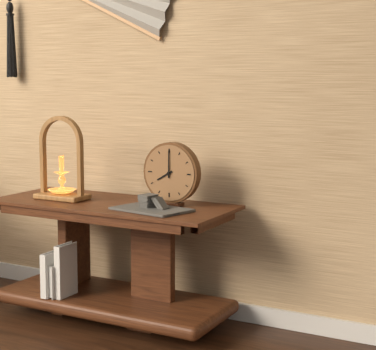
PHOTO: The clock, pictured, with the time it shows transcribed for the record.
8:00
